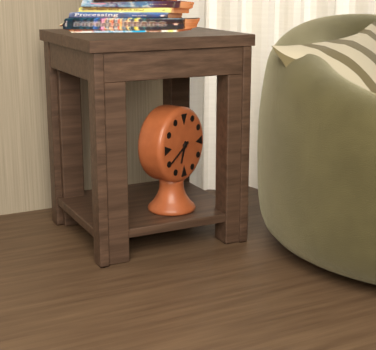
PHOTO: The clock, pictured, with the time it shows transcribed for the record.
6:40
